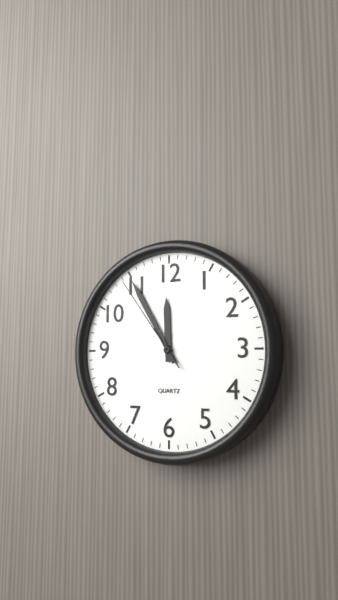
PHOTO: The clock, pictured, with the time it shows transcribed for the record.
11:55:54
